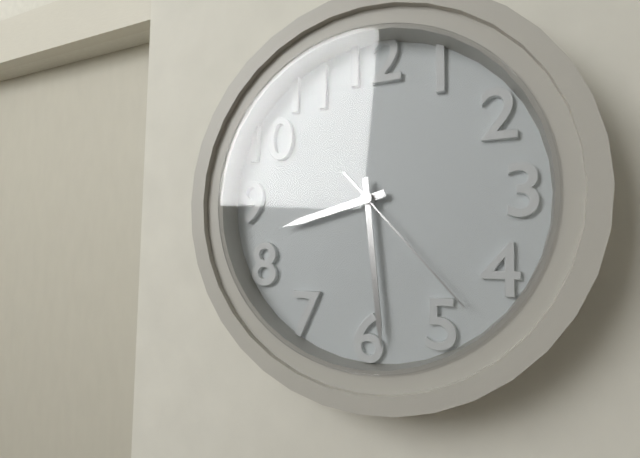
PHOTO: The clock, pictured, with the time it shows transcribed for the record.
8:29:23
